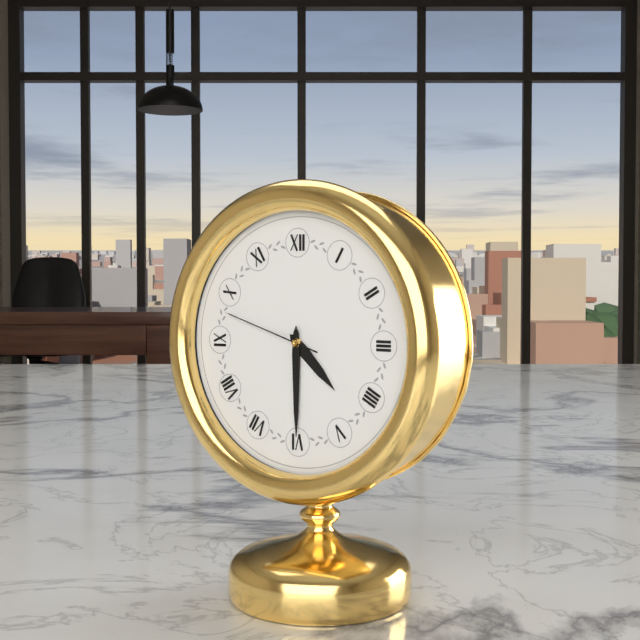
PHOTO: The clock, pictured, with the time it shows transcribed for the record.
4:30:48
